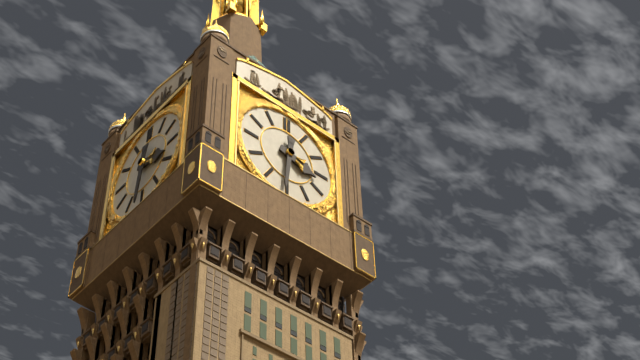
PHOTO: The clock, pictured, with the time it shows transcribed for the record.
3:31
